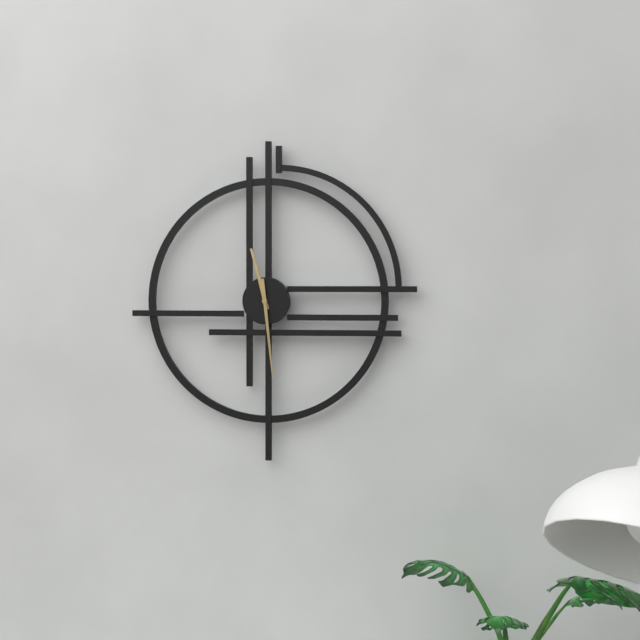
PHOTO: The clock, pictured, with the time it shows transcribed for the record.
11:29
